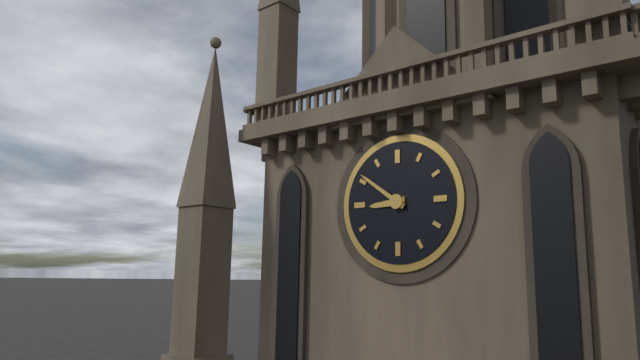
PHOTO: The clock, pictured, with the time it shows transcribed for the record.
8:51
